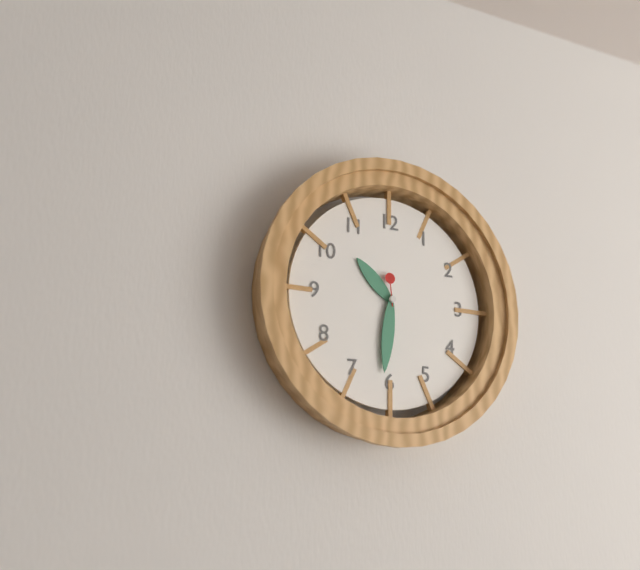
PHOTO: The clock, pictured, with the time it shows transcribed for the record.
10:31
